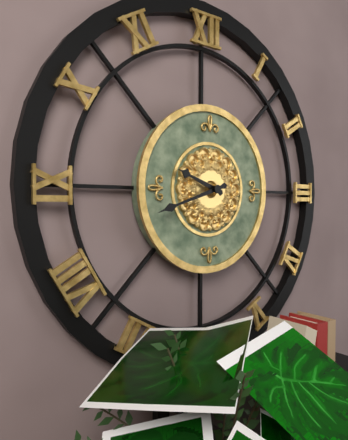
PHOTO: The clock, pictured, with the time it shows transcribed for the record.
9:42
